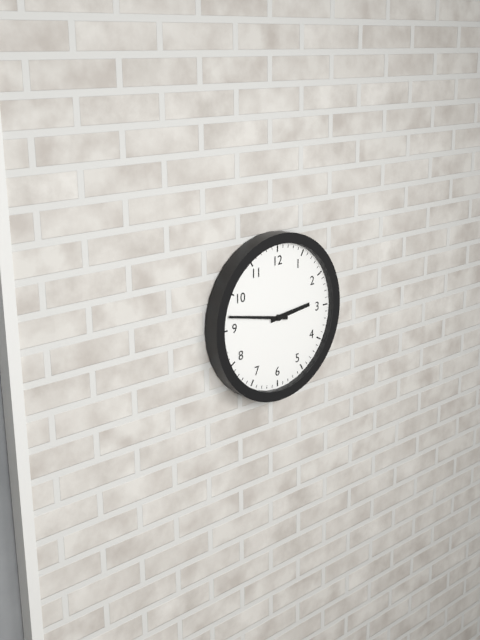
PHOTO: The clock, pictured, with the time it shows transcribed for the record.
2:47
